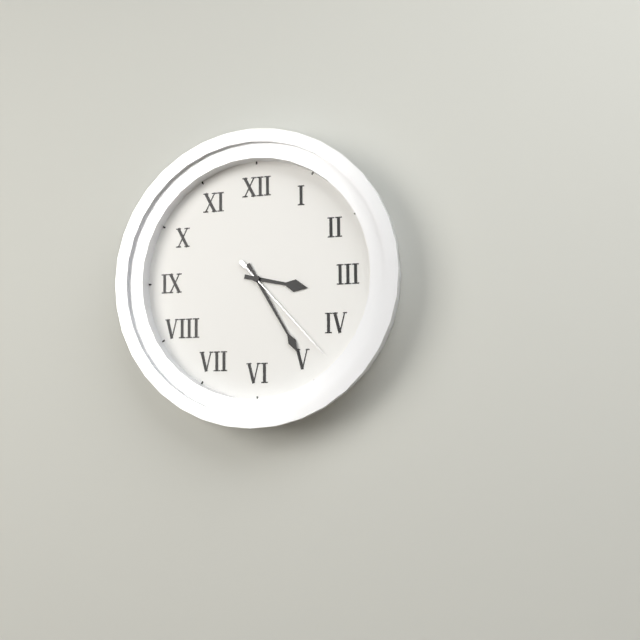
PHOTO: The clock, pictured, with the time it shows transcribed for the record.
3:25:23
